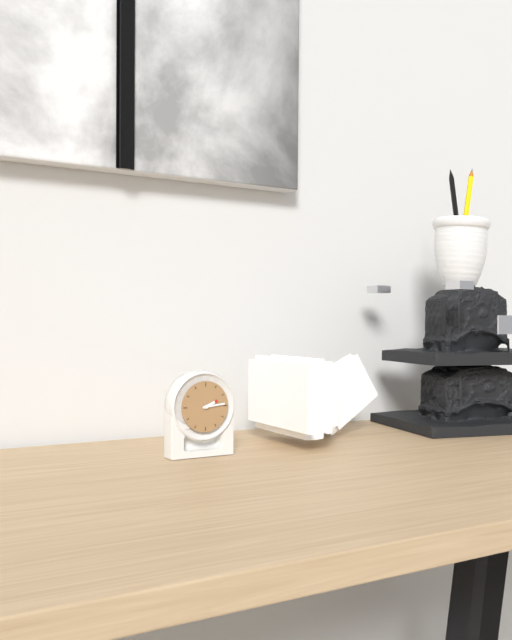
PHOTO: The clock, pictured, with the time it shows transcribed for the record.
2:14
